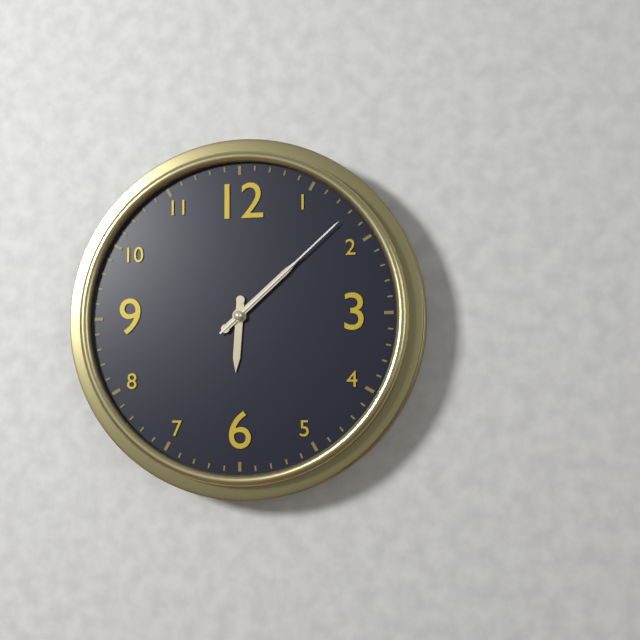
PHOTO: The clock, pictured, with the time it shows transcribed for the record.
6:08:08
